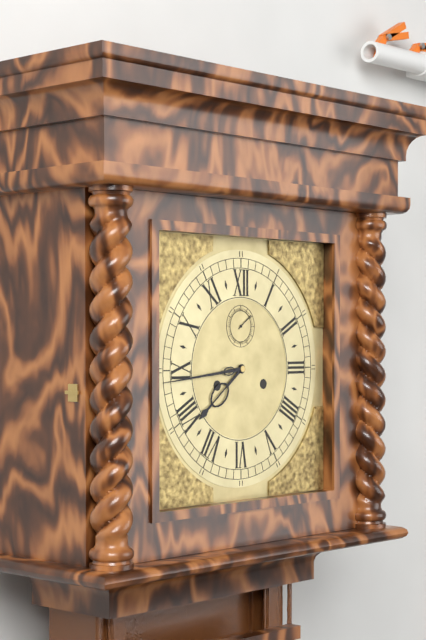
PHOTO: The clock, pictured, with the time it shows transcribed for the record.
7:44
